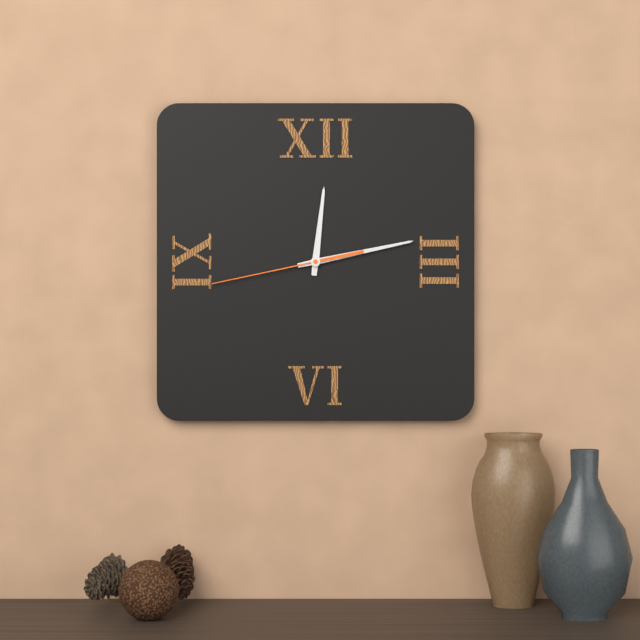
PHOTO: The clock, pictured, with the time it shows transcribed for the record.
12:13:43
